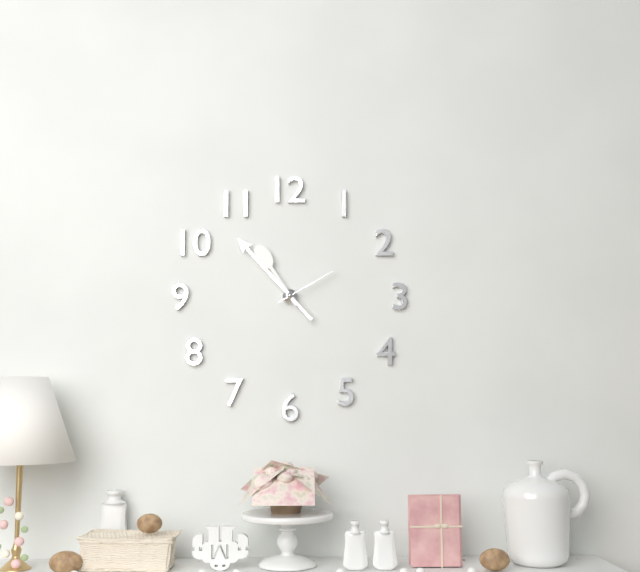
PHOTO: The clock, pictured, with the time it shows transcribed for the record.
10:53:10
